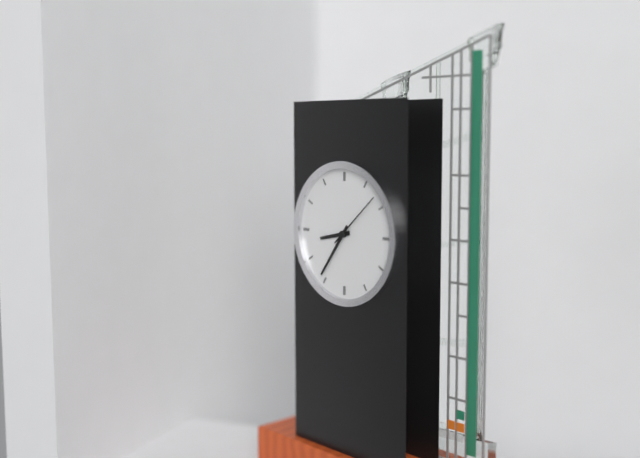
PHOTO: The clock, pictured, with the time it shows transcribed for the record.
8:36:08
